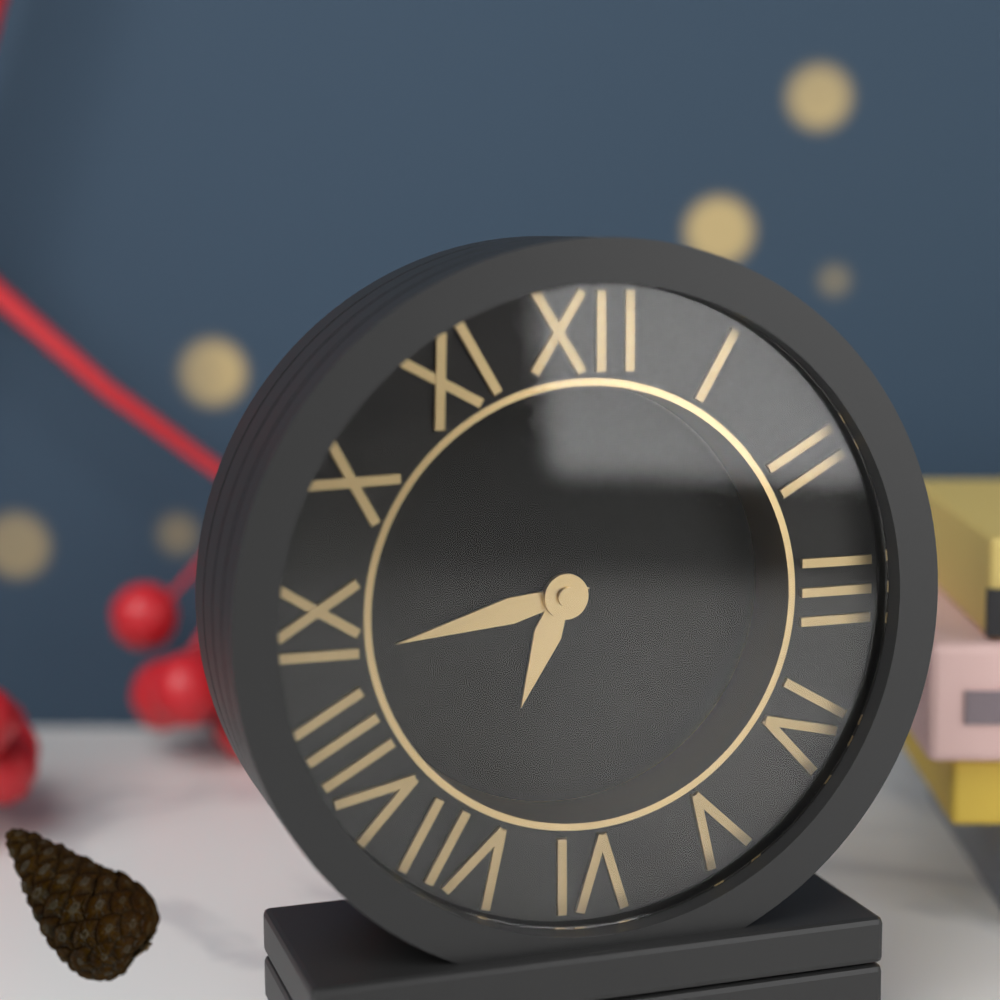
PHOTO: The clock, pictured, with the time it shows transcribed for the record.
6:43
